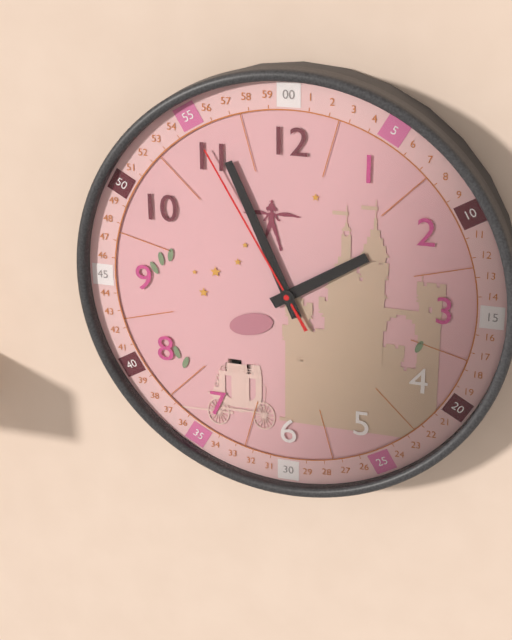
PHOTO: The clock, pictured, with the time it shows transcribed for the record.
1:56:55
